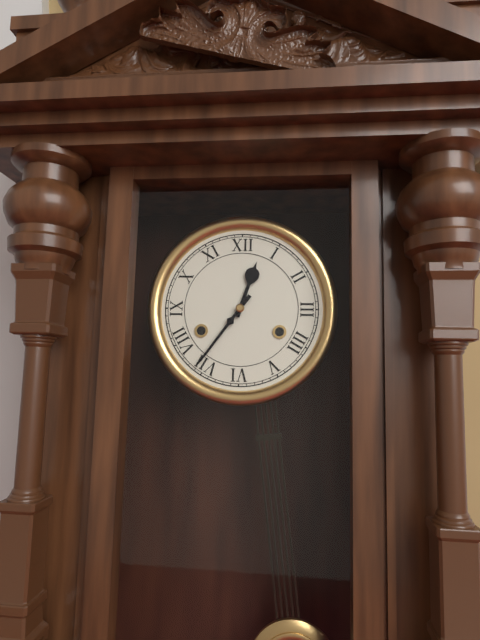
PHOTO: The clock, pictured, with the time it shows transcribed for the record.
12:36
